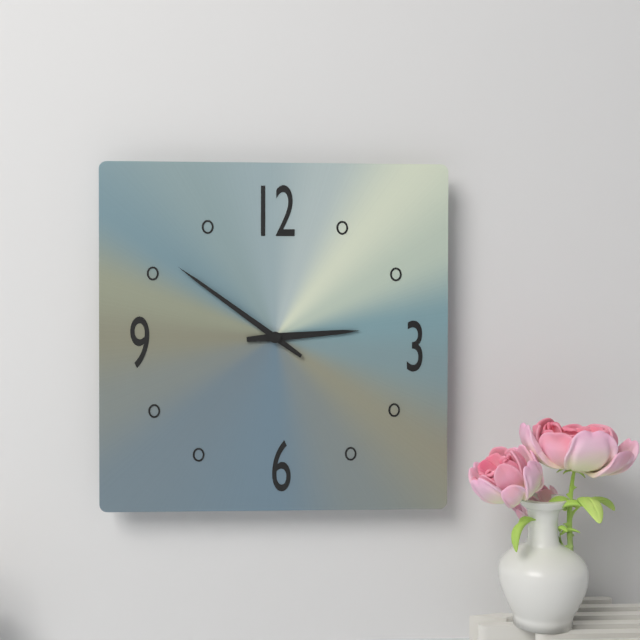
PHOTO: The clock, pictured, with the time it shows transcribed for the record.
2:51
